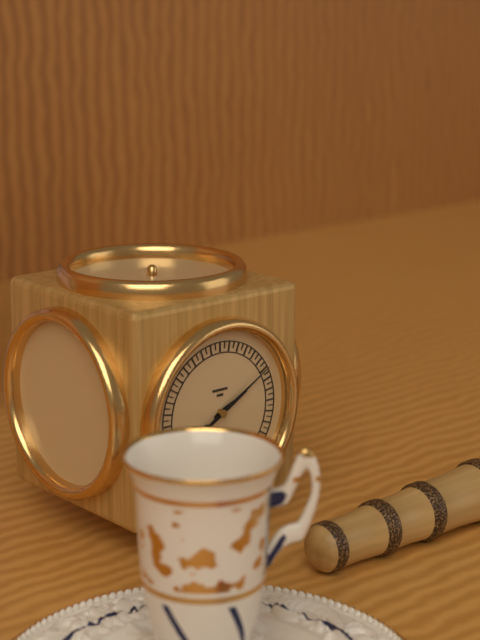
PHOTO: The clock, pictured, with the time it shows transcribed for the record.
2:10
